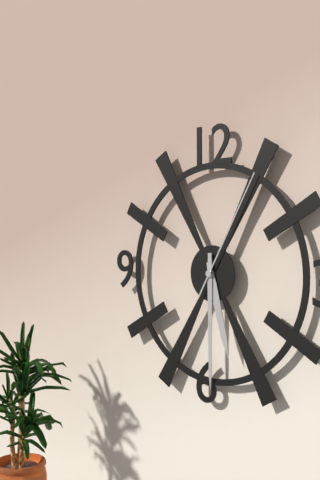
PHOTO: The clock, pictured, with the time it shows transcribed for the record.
5:30:05
